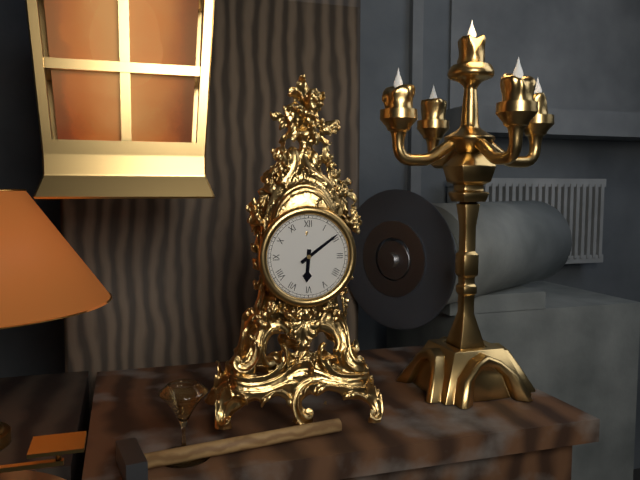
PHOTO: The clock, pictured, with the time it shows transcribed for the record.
6:09
